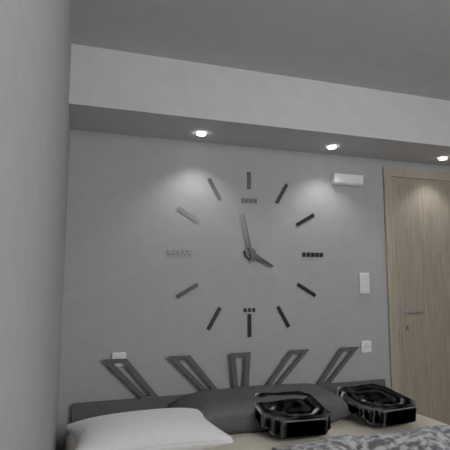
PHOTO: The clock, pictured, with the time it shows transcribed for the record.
3:58
